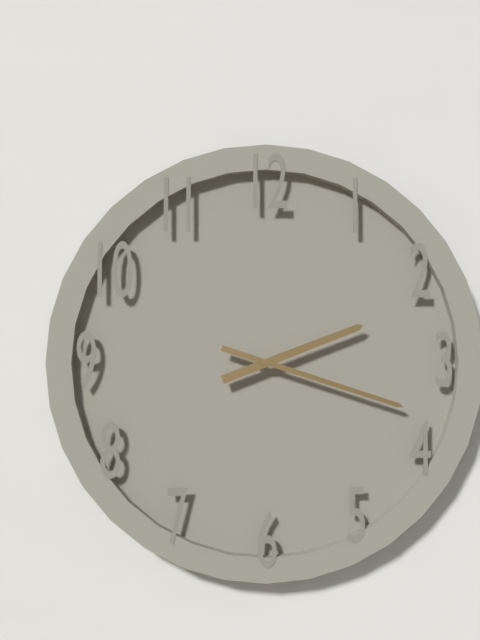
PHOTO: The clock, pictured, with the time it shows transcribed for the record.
2:18
